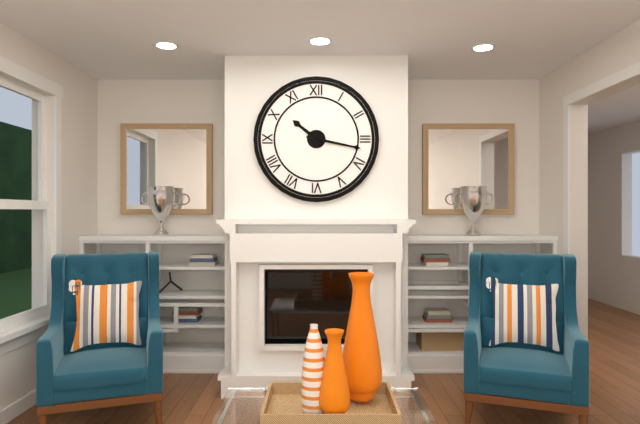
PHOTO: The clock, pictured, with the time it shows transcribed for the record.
10:17
